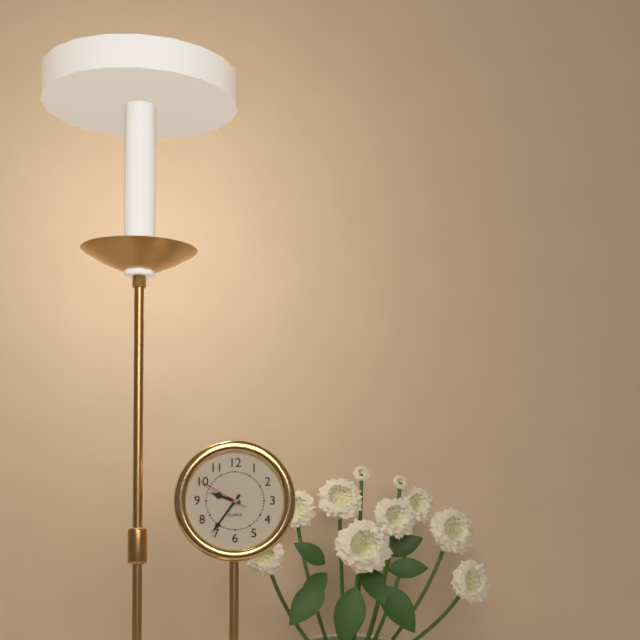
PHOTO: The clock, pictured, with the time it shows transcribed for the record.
9:36:50
